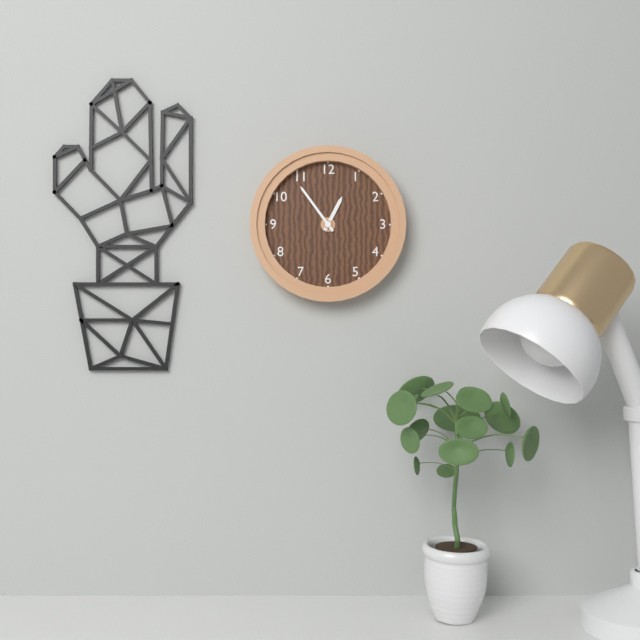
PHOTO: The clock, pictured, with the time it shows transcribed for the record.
12:54
